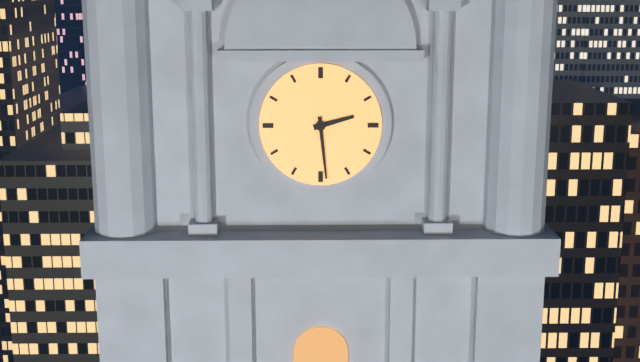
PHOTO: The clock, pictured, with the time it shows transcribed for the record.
2:29
